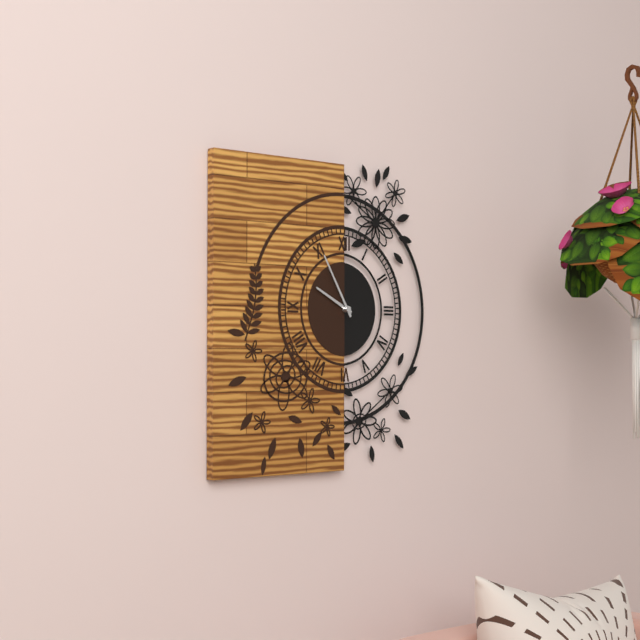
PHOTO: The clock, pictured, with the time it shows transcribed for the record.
9:55
